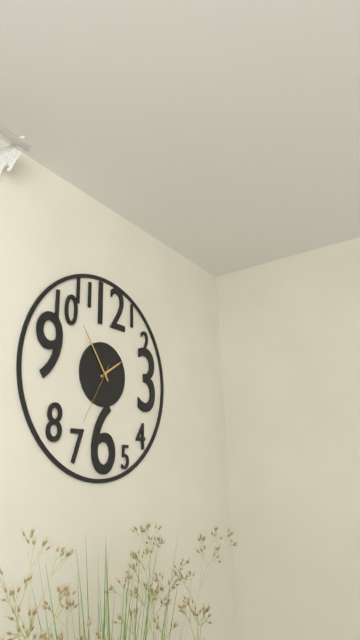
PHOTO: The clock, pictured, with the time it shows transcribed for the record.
1:54:35
